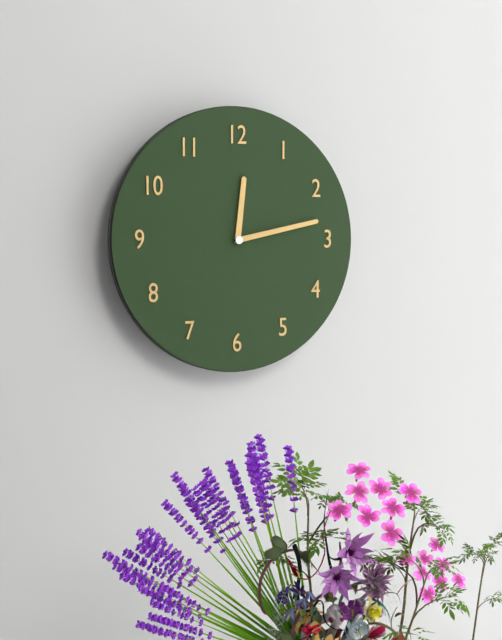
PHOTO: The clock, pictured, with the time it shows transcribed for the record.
12:13
